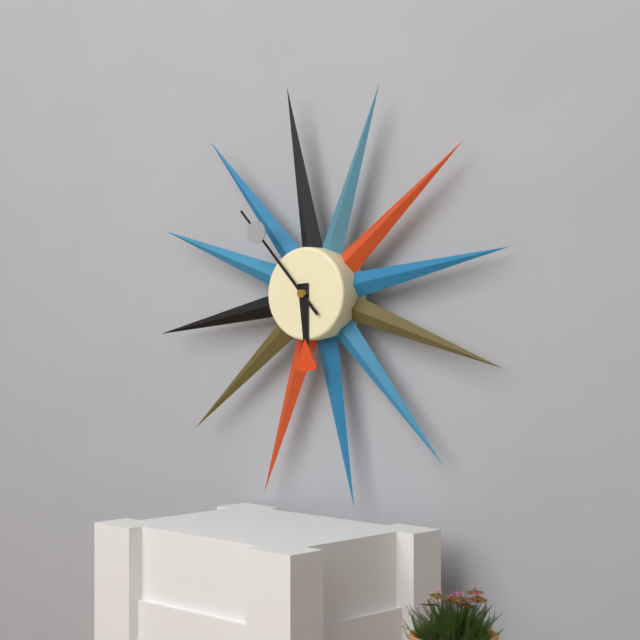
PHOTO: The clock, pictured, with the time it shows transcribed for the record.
5:53
